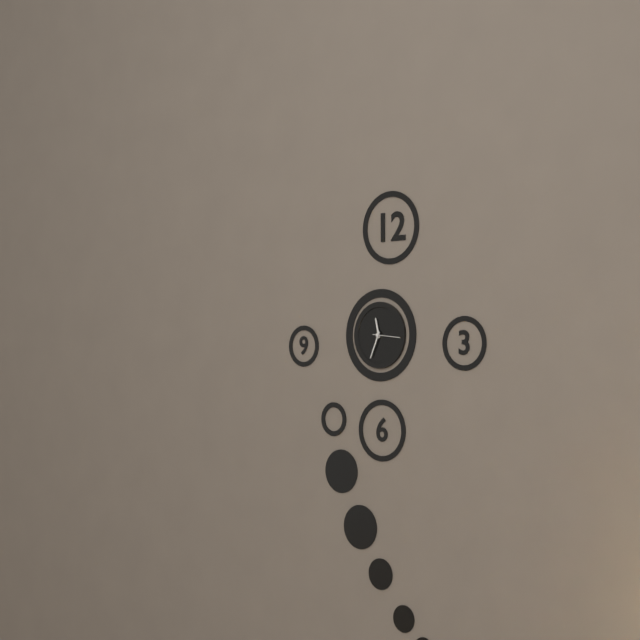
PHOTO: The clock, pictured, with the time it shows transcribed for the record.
11:34
